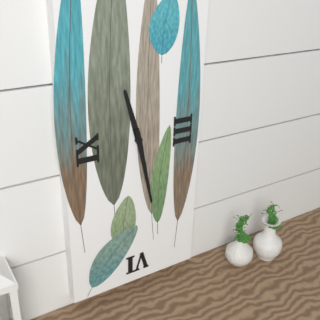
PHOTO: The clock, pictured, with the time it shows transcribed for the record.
11:28
